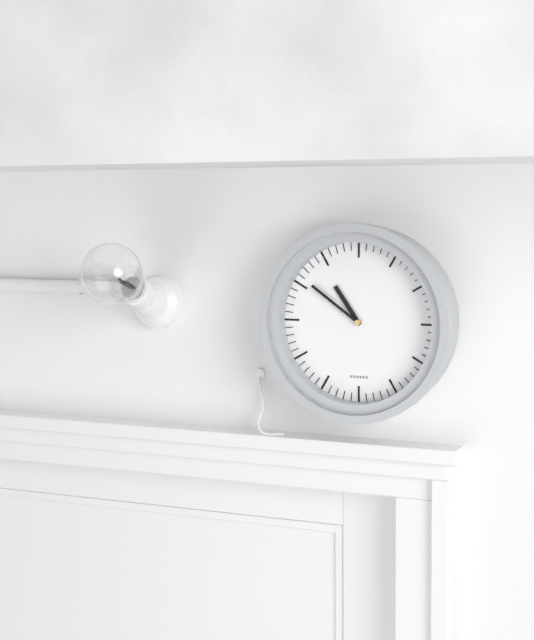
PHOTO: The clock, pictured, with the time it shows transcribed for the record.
10:51
